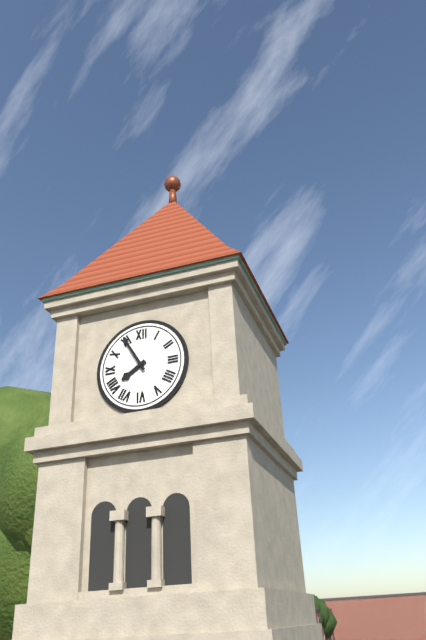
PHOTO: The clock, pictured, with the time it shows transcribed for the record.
7:55
